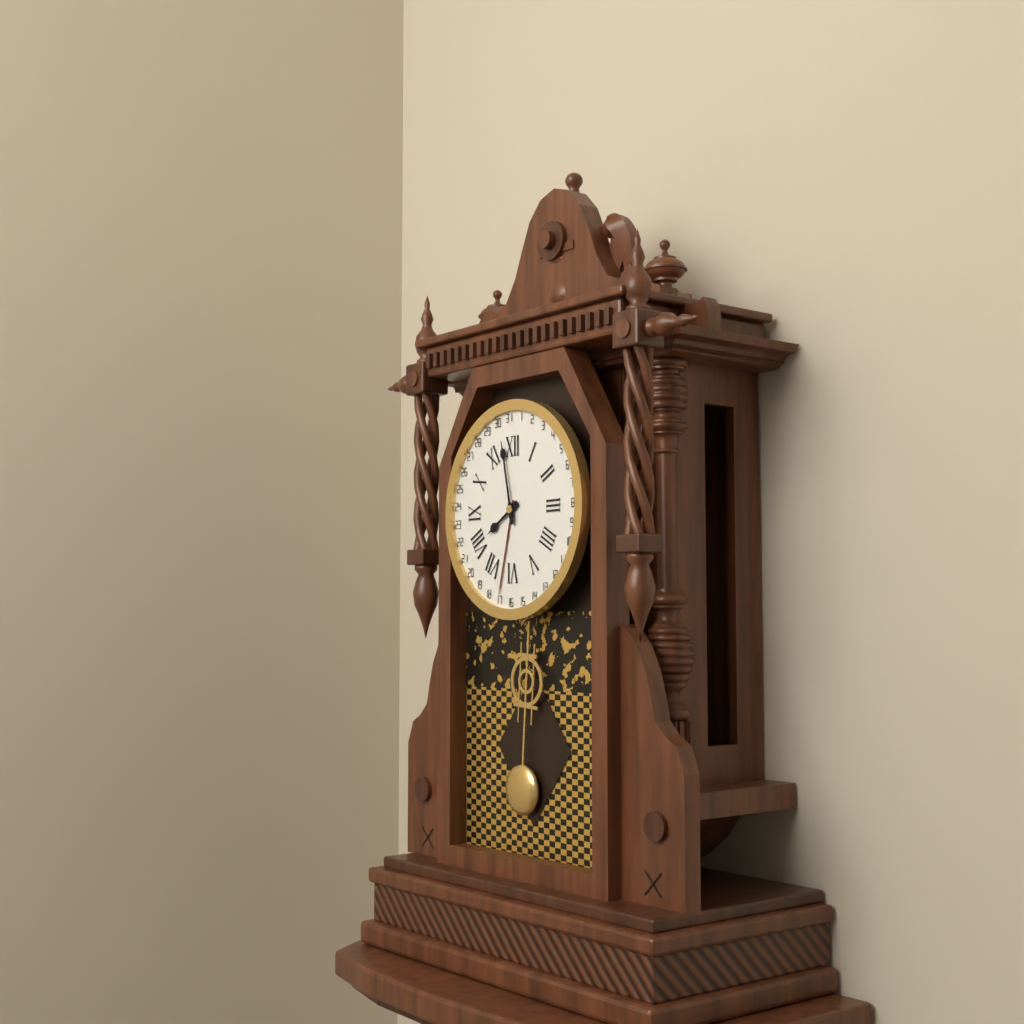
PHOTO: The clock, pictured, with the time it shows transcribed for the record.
7:58
